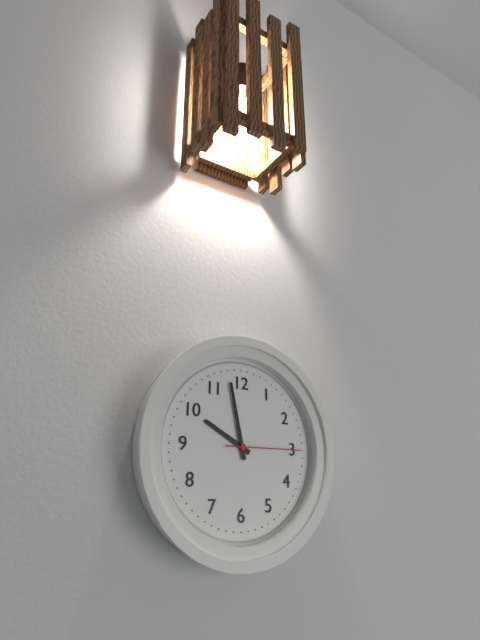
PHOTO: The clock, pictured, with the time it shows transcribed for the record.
9:58:15
